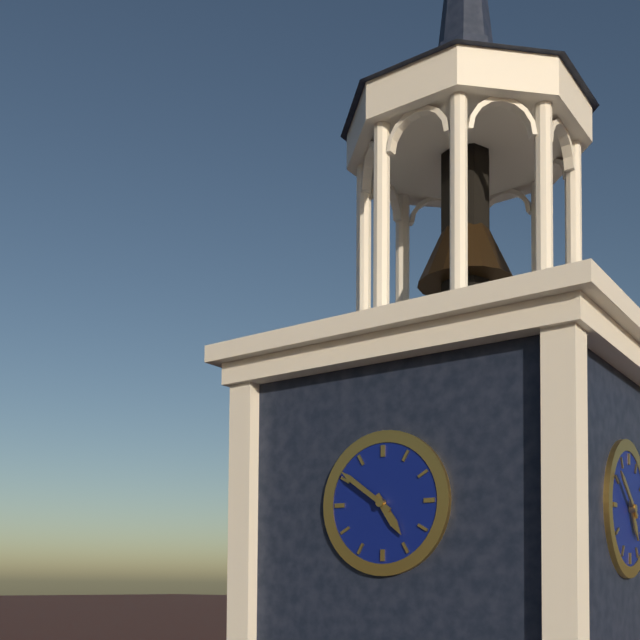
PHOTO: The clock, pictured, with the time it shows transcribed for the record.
4:51
